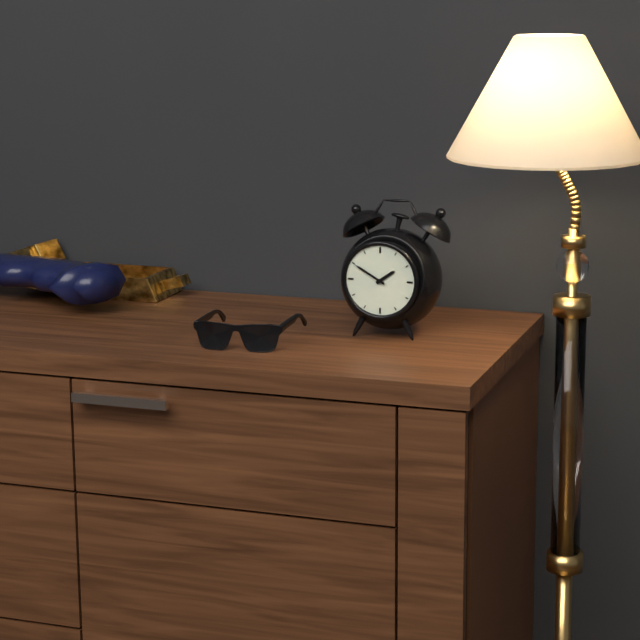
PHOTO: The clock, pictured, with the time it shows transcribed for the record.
1:50
